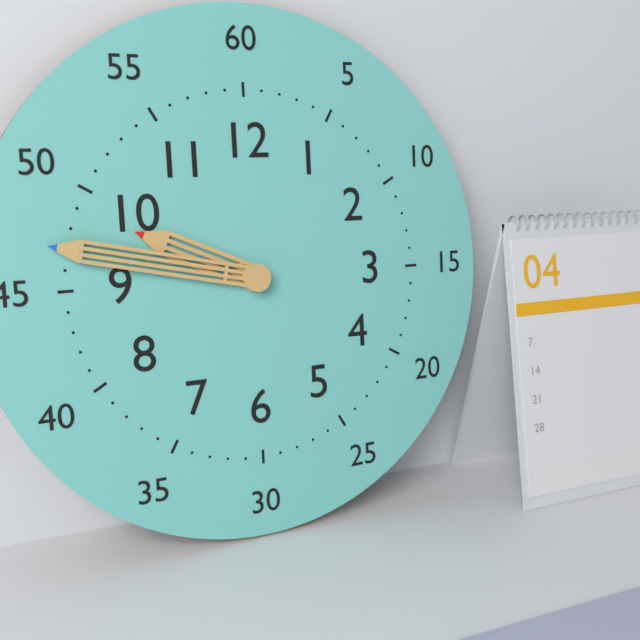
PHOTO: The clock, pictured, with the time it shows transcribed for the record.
9:47
